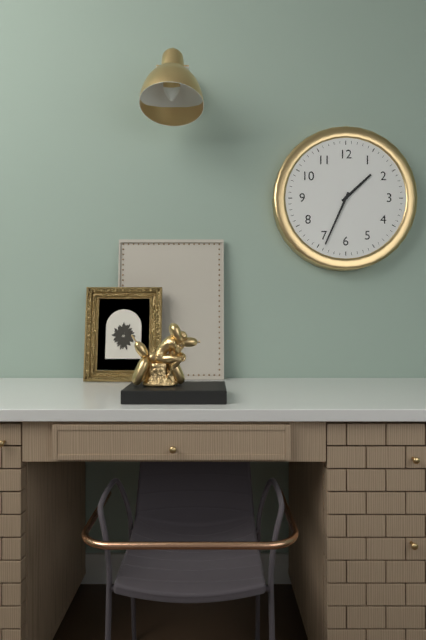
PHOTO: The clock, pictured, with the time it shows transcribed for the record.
1:34
